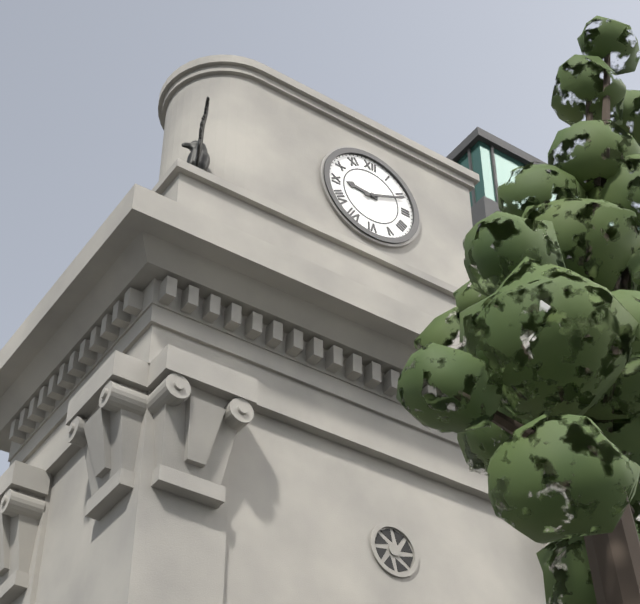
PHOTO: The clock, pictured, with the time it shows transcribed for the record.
9:11
